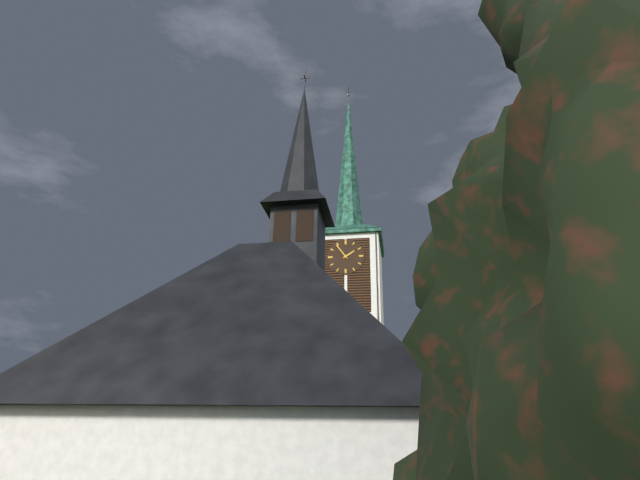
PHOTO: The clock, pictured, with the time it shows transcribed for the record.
1:54
